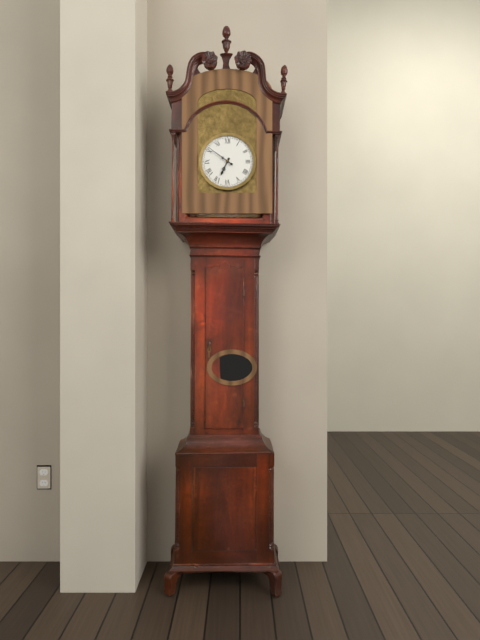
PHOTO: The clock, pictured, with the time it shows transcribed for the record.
6:51
